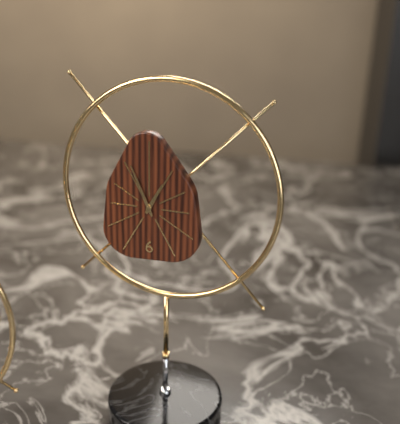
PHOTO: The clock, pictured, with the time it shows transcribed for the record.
12:56
